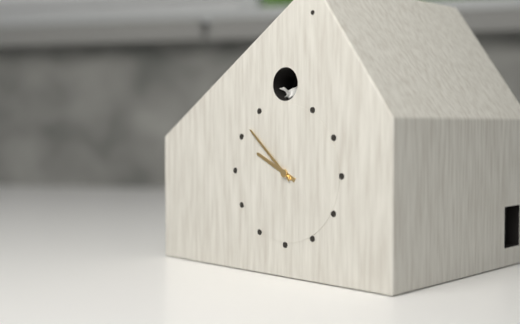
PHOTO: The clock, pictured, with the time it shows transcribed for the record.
9:52
